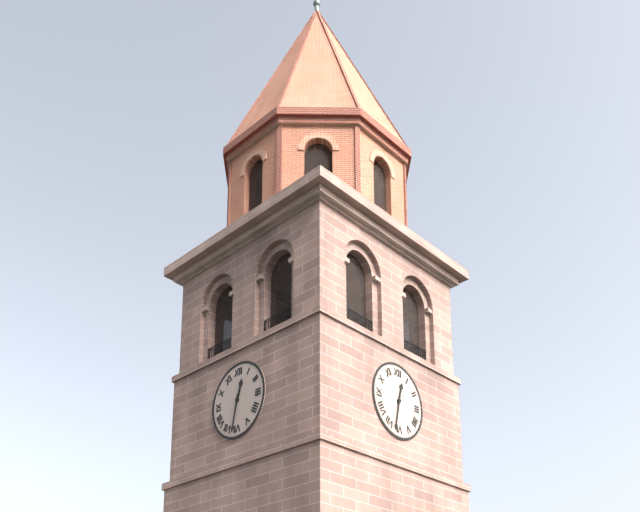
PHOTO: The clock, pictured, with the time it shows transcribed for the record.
12:32
